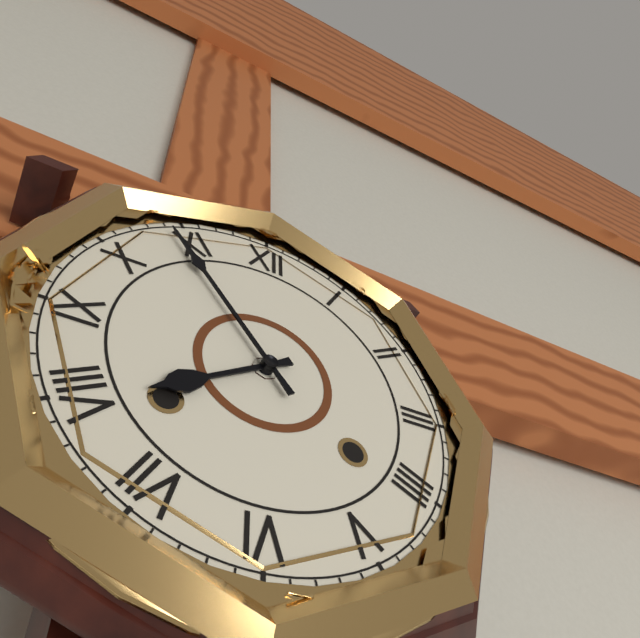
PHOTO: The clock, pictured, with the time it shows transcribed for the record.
7:54
